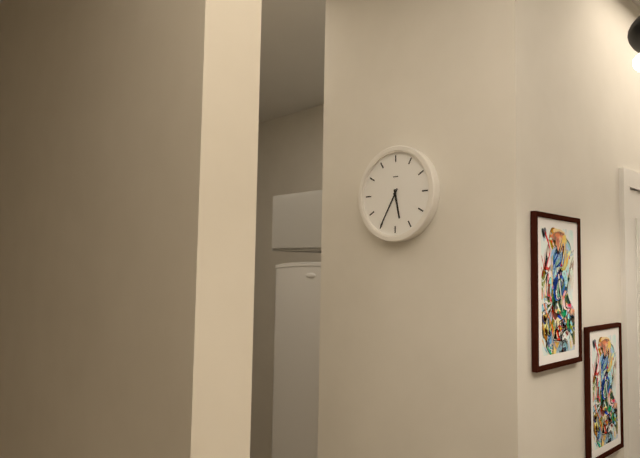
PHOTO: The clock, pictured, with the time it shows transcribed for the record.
5:35
